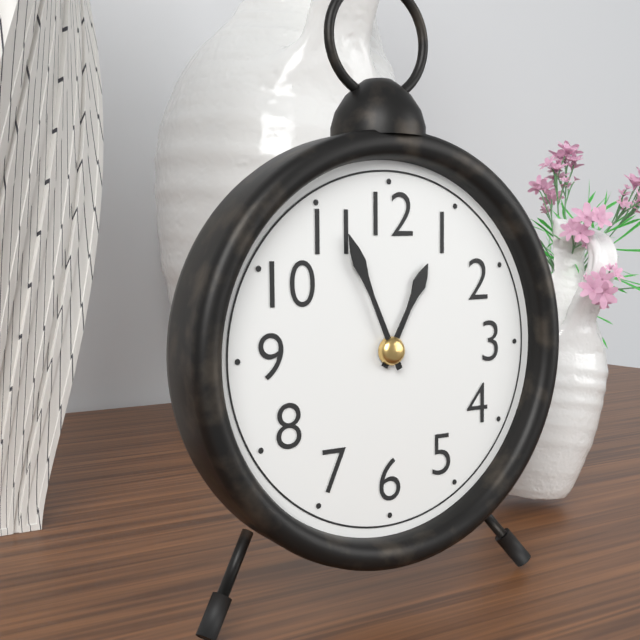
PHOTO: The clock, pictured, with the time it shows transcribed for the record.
12:56
